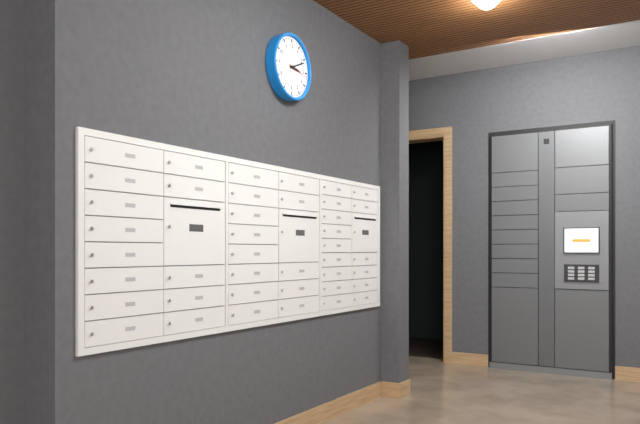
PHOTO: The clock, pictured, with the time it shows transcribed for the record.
3:11
